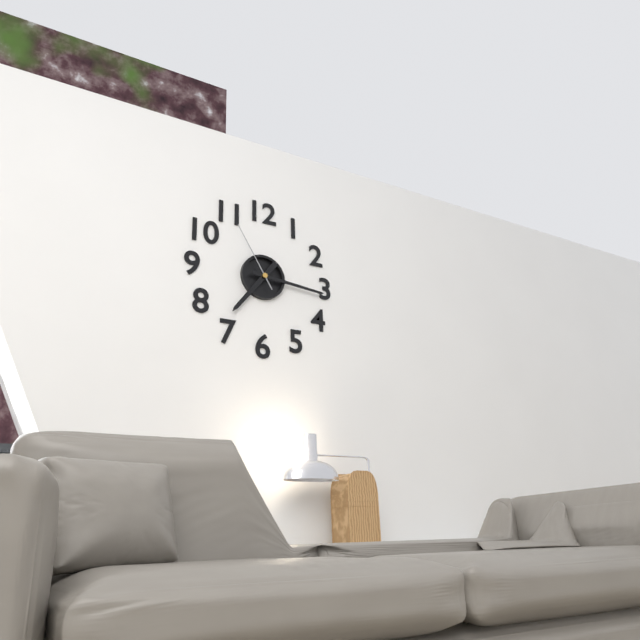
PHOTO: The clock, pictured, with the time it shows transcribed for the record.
7:16:55
